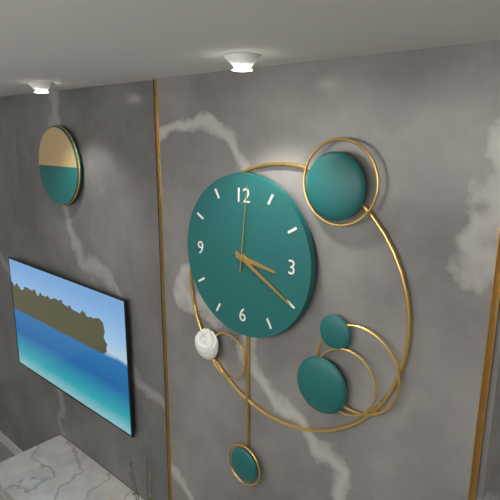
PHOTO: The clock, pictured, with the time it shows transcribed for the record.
3:20:01
